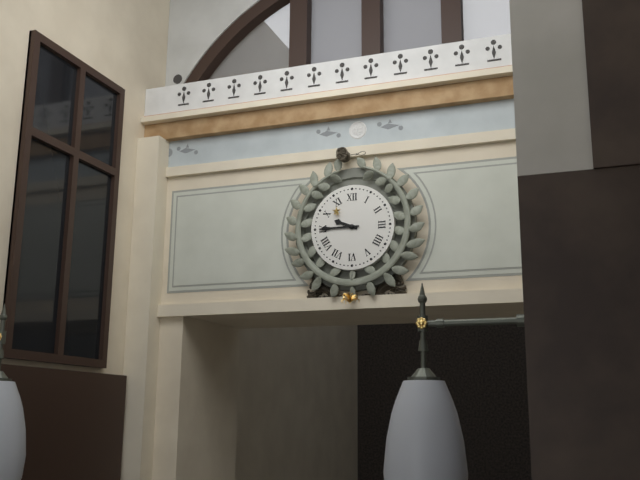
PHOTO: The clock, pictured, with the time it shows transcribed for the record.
9:45
